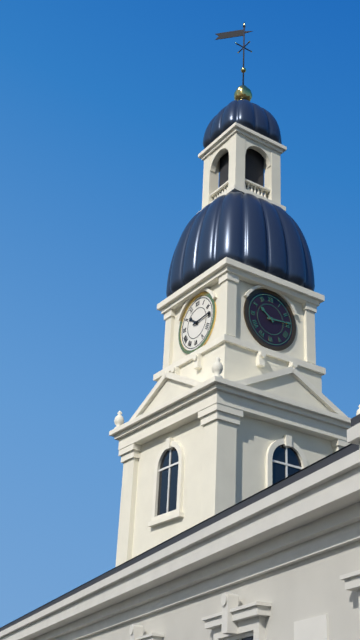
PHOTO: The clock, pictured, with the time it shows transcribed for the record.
10:14
